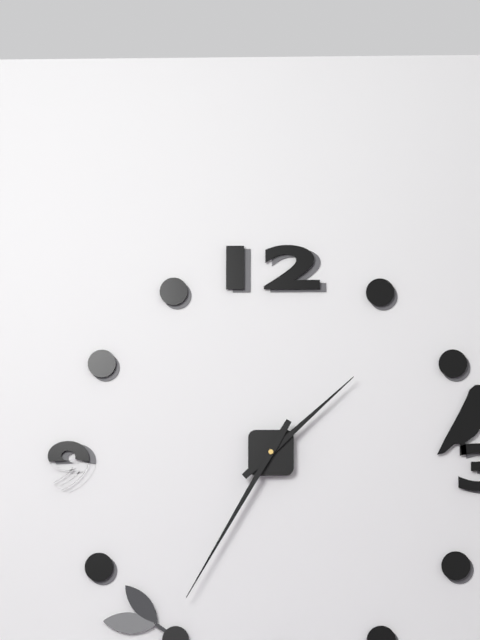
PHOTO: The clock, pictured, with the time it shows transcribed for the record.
1:35
